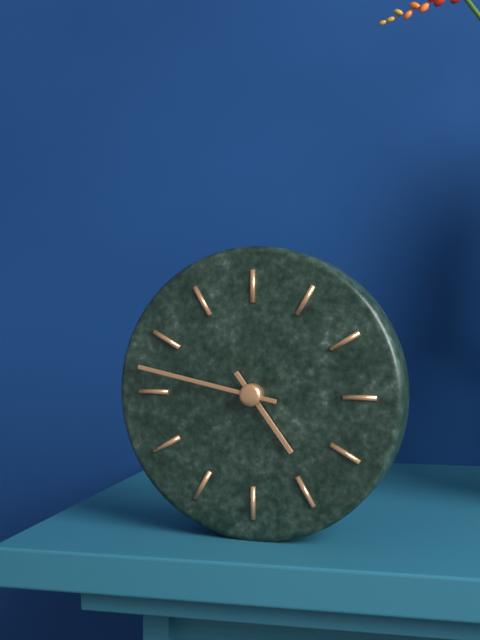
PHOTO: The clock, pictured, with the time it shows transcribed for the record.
4:47
